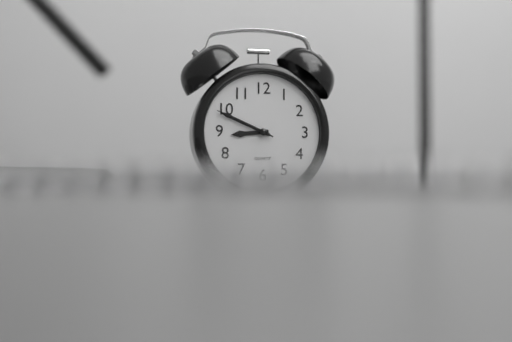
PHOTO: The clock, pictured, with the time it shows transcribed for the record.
8:49:49
